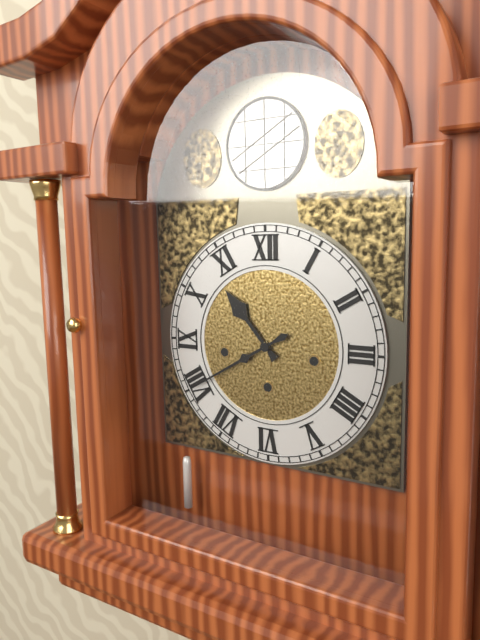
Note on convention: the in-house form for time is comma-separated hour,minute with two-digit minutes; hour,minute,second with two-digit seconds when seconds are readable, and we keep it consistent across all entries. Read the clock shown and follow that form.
10,40
